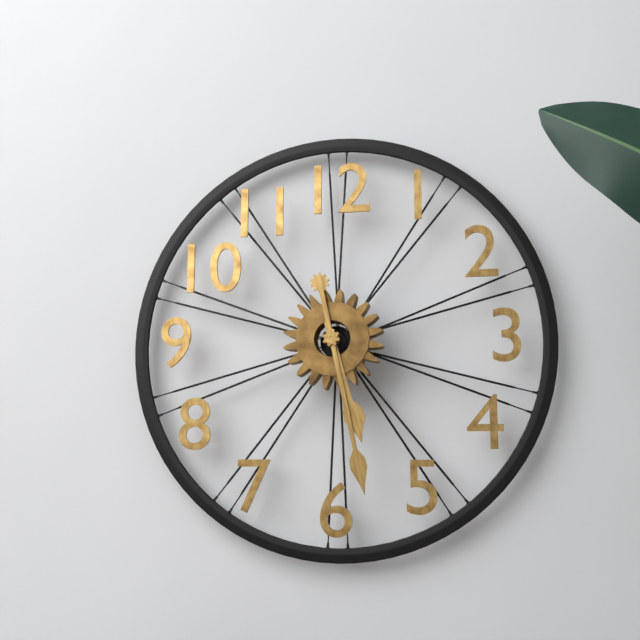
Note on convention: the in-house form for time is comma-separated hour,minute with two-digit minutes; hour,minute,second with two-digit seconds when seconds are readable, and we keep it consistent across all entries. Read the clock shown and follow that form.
5,28
